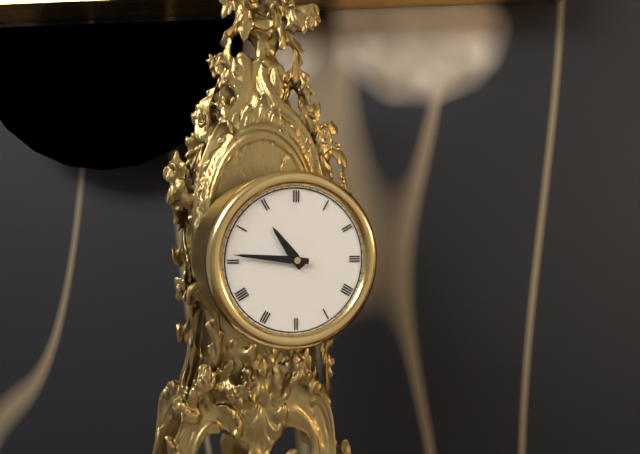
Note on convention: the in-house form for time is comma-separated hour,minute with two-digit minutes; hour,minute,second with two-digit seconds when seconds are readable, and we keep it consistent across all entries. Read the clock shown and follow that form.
10,46
